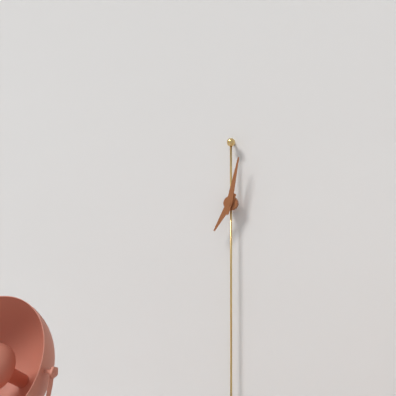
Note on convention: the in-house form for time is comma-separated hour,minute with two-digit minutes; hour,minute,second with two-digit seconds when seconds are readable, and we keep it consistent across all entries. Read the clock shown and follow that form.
7,02
